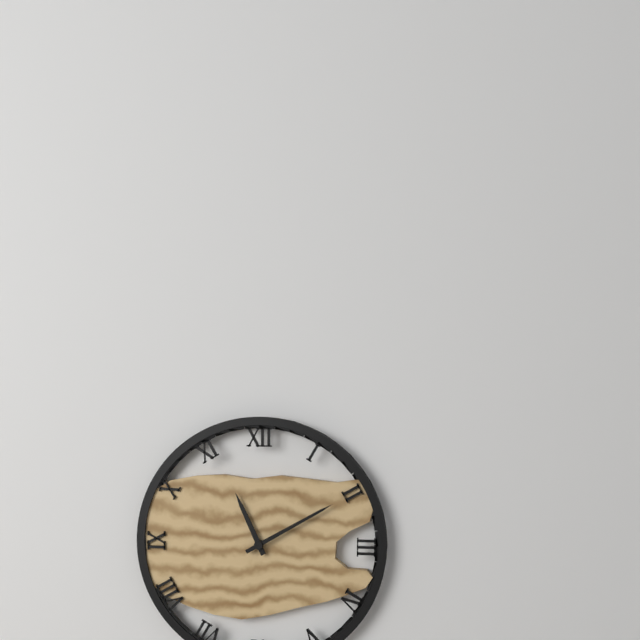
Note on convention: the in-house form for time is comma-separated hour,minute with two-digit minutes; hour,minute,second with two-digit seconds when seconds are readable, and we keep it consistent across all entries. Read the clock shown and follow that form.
11,10
